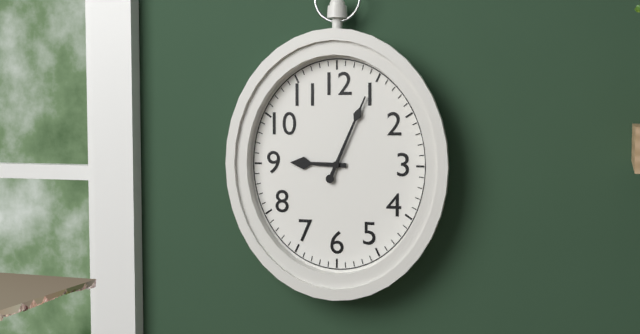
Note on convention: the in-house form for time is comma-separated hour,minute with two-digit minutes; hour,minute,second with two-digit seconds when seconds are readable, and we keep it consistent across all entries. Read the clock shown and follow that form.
9,04
